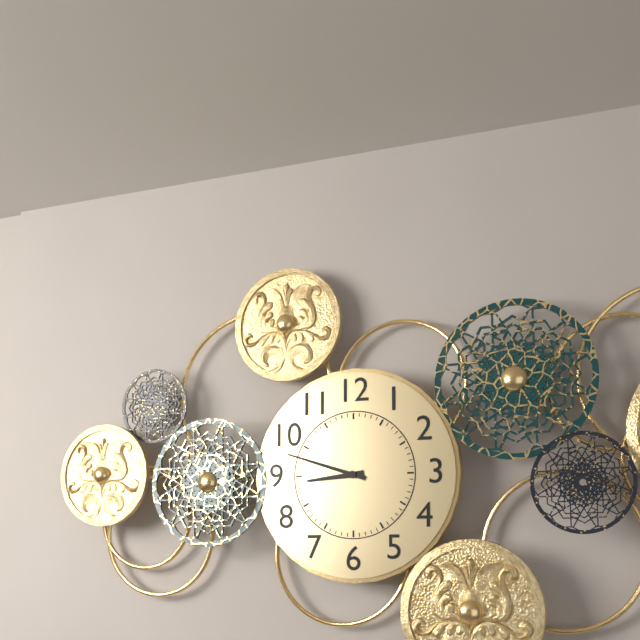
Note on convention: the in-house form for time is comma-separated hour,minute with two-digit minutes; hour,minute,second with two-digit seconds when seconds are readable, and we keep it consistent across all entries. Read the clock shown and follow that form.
8,48
